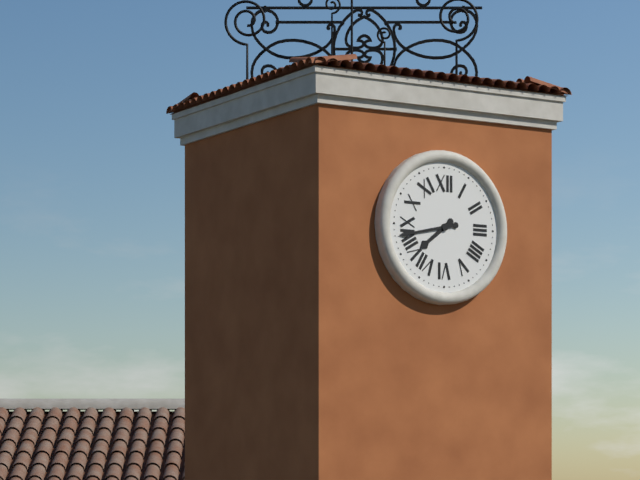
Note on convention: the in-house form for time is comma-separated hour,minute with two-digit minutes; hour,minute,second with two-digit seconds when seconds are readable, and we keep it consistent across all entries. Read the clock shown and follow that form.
7,43
